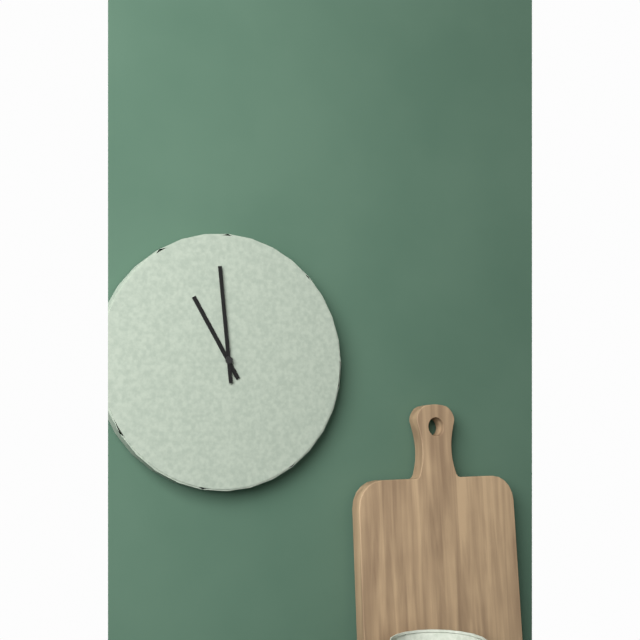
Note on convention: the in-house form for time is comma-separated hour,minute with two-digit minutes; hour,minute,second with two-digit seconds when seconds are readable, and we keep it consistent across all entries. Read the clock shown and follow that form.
10,59
